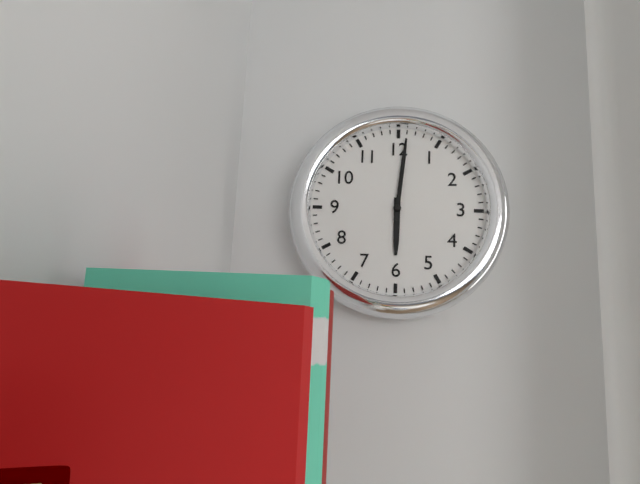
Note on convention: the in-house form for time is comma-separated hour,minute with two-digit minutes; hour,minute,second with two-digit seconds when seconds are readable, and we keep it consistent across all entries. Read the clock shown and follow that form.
6,01
